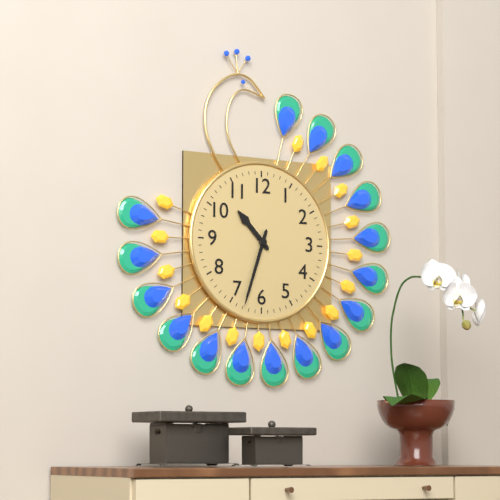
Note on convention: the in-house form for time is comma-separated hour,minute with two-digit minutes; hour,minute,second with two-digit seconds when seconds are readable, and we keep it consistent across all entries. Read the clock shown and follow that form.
10,33
